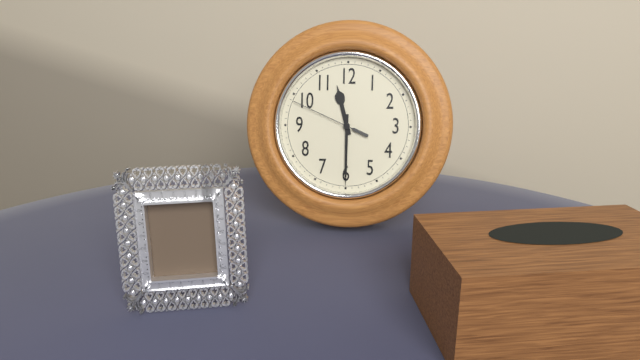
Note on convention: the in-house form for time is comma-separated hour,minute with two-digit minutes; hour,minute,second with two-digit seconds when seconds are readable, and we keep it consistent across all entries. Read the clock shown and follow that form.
11,30,49
